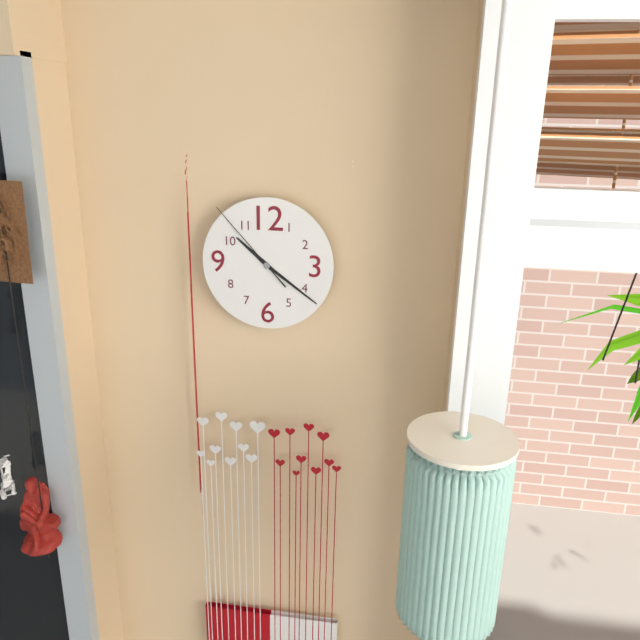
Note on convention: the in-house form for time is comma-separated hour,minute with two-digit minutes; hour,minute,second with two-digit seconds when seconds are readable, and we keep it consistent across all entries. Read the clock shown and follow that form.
10,21,53
